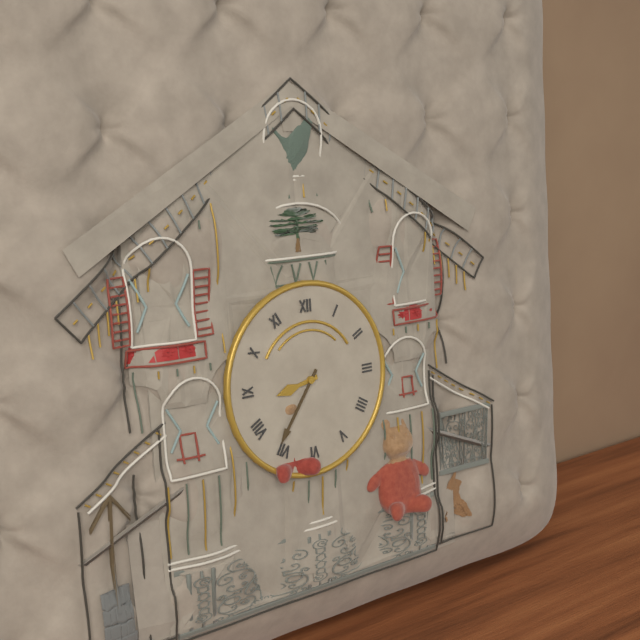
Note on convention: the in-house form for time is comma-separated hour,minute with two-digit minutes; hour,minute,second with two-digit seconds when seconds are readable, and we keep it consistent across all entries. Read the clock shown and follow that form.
8,36
